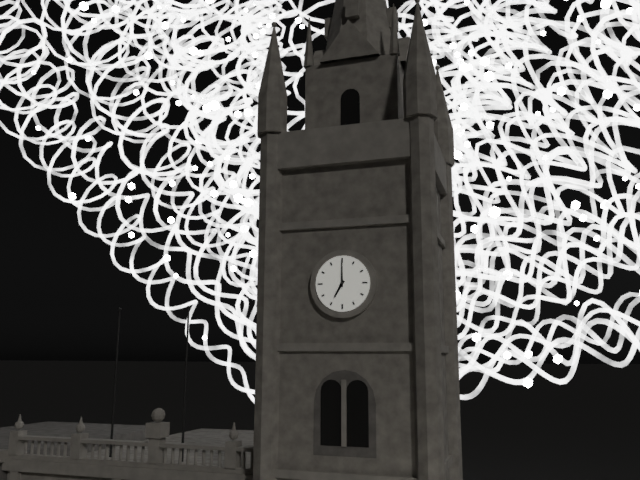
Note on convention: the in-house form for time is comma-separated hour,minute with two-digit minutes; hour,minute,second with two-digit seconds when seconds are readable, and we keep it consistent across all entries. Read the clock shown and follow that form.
7,00
